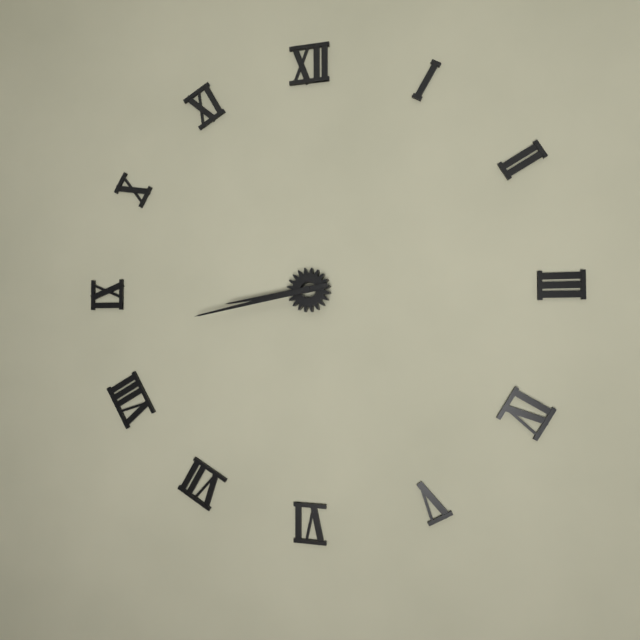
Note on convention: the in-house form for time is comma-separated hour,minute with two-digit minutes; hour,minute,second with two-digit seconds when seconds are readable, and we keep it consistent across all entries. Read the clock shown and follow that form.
8,43
